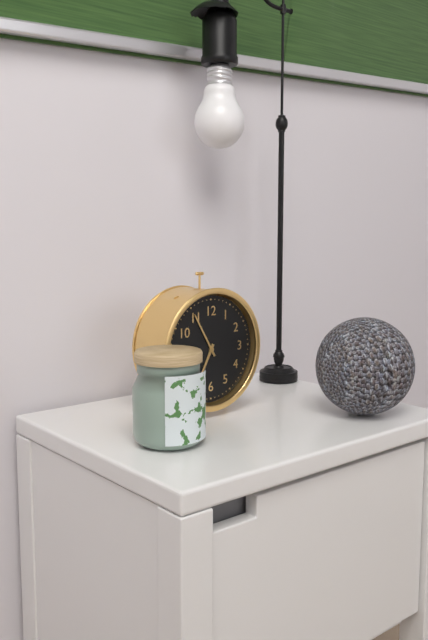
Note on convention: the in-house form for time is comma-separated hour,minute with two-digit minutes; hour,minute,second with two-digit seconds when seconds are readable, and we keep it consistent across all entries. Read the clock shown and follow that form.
6,55
